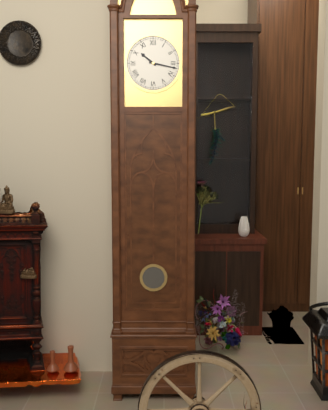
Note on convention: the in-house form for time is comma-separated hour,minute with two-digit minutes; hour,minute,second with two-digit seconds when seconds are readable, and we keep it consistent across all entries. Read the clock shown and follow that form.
10,17
